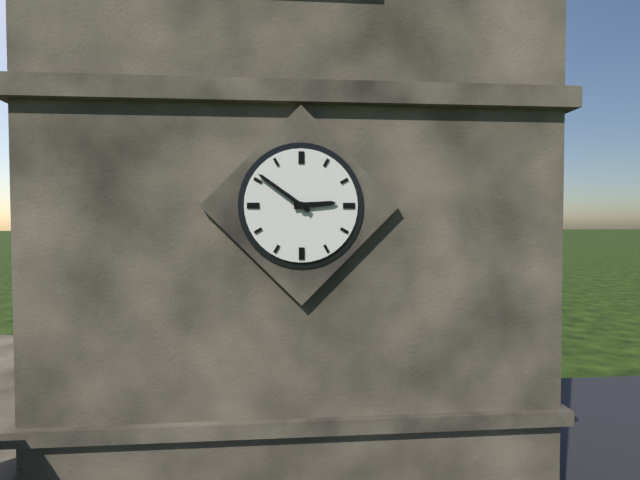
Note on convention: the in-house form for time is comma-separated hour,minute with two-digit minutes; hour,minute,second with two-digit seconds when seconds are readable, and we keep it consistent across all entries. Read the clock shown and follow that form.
2,51
